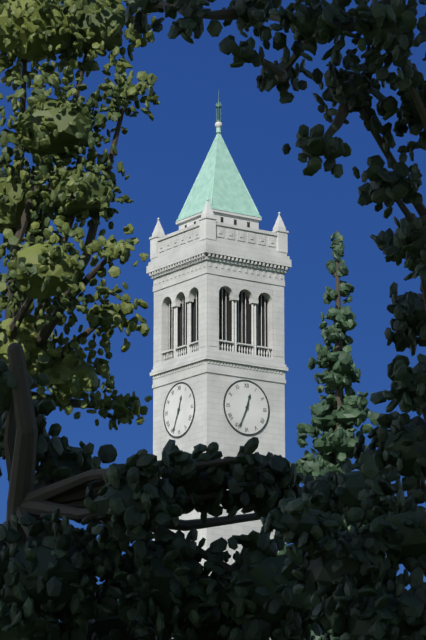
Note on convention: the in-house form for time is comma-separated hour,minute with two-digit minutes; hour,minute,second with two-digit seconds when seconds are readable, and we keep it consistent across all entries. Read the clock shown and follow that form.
12,34
